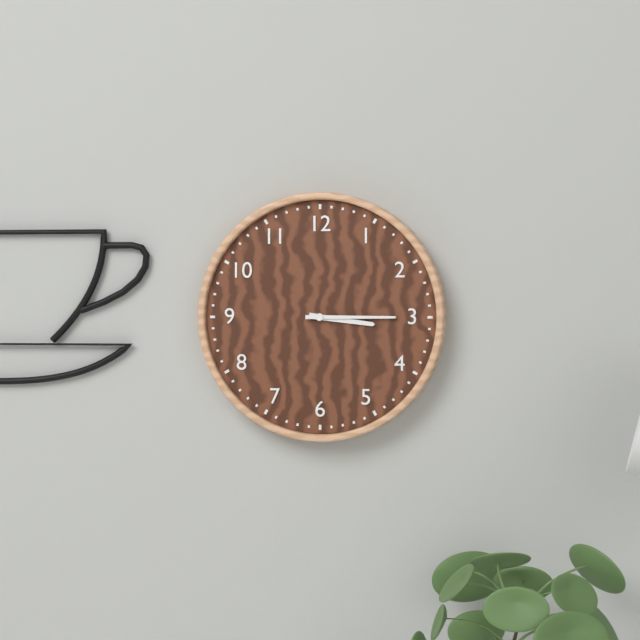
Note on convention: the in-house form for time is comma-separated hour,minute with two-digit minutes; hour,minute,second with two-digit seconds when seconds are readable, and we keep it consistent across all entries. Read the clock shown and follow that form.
3,15
